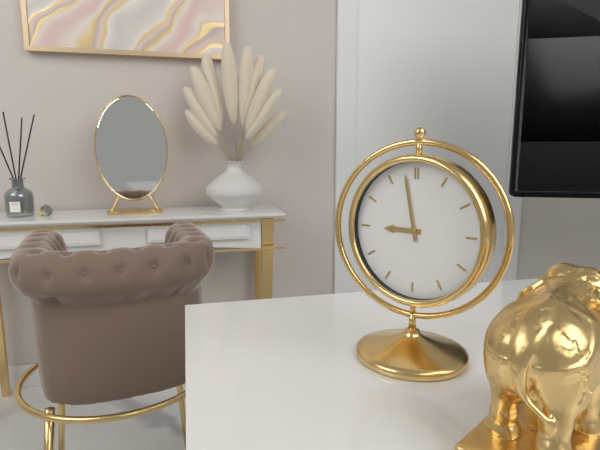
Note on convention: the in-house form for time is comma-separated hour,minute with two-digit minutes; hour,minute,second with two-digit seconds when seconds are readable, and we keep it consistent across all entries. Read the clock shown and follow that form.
8,58
